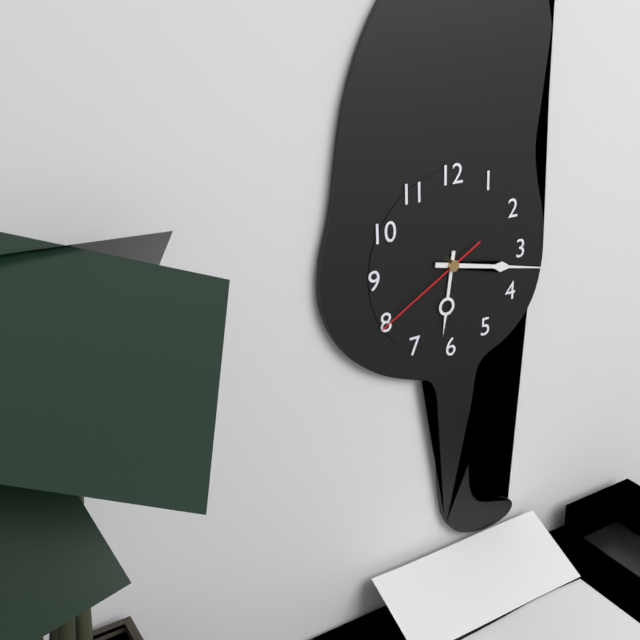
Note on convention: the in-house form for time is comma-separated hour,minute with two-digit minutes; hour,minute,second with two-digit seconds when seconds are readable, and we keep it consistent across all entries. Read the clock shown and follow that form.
6,17,40
